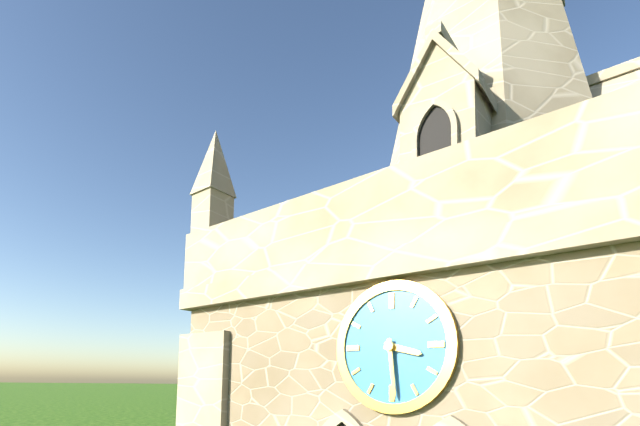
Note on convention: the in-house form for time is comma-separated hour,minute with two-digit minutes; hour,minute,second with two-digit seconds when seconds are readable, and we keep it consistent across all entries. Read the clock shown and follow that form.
3,29
